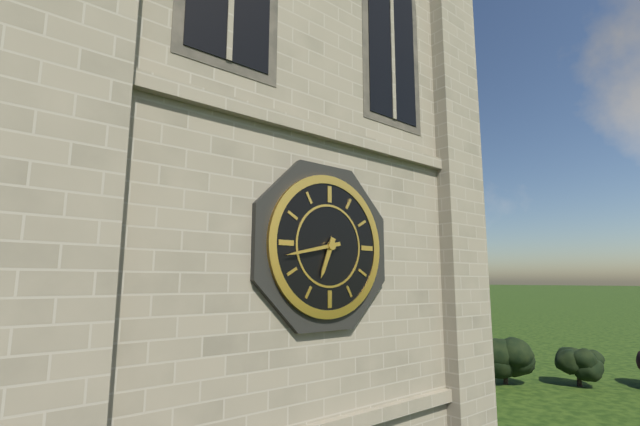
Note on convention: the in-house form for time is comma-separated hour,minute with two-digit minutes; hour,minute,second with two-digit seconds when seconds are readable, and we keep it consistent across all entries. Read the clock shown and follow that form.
6,43
